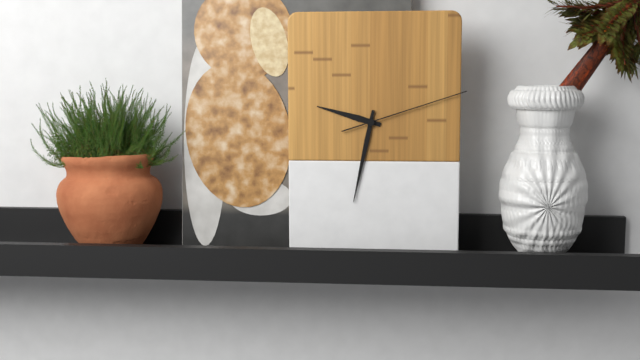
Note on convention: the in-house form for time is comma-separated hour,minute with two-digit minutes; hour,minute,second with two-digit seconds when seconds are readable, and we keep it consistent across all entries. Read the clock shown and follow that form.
9,32,12
